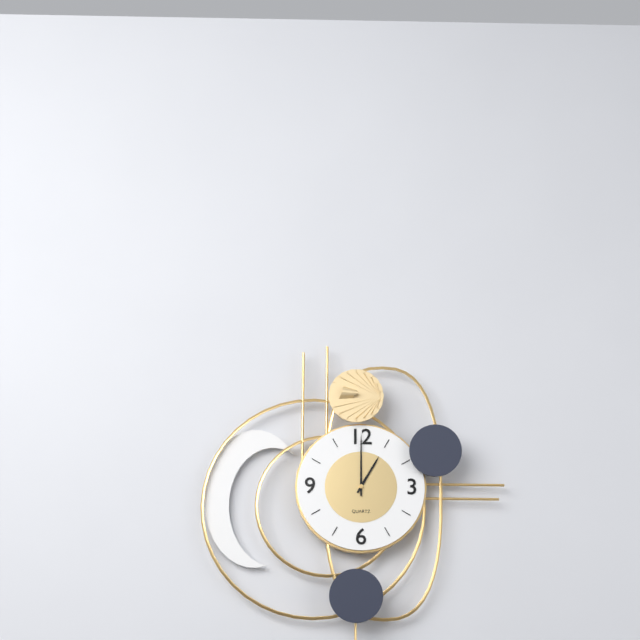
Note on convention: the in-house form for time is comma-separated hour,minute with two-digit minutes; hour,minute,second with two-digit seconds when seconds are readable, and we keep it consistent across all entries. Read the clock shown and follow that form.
1,00
